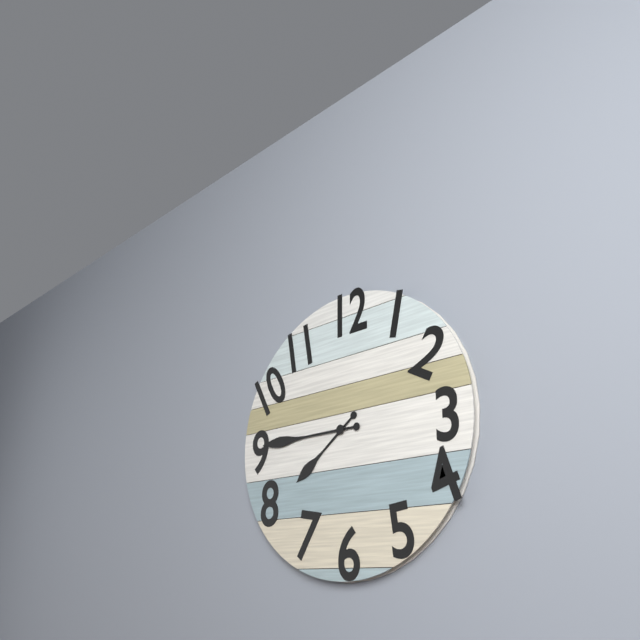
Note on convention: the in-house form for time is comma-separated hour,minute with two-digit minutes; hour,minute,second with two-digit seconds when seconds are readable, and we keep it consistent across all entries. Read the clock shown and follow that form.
7,45
